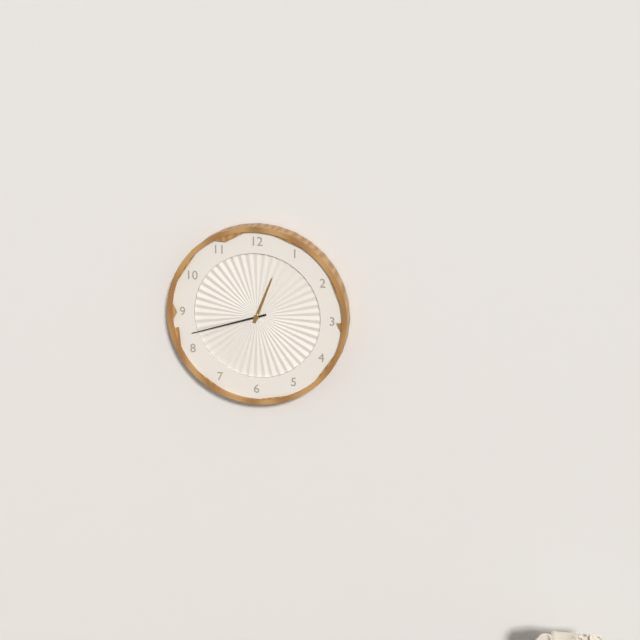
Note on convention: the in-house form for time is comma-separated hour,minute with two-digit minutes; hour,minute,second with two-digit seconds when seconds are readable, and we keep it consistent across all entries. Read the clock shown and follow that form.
12,42
